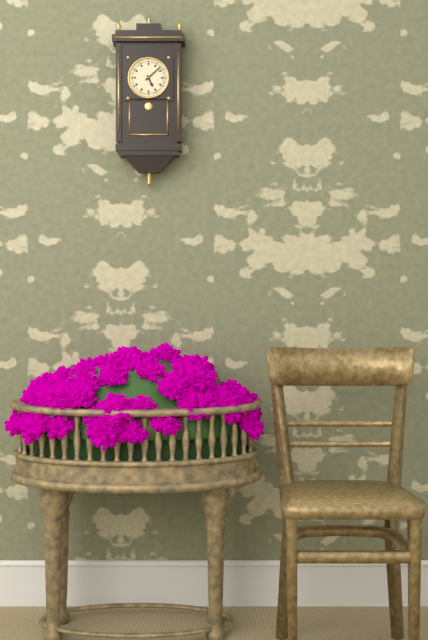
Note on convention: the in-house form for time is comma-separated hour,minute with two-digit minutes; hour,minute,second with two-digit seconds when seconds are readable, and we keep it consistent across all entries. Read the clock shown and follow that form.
5,08
